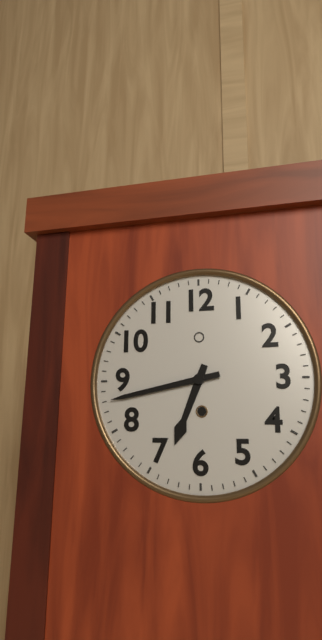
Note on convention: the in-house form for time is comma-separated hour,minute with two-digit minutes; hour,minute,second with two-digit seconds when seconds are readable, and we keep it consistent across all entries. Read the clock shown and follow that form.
6,43
